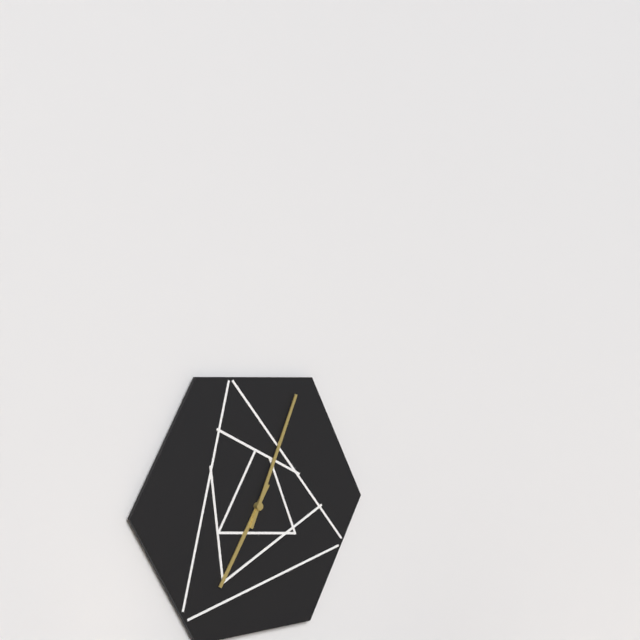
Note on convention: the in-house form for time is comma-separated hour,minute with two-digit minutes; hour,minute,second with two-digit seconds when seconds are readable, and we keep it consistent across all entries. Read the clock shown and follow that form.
7,04
